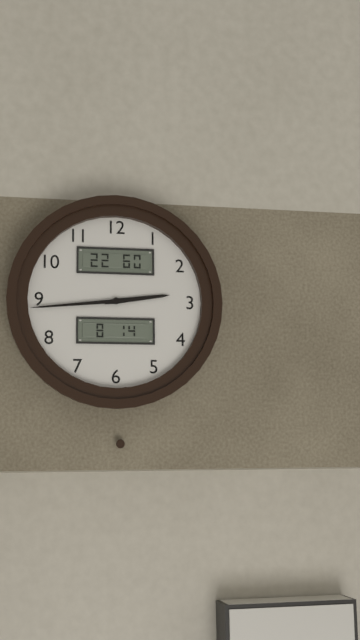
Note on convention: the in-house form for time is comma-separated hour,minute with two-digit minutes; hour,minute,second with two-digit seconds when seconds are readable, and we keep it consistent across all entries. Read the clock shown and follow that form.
2,44
